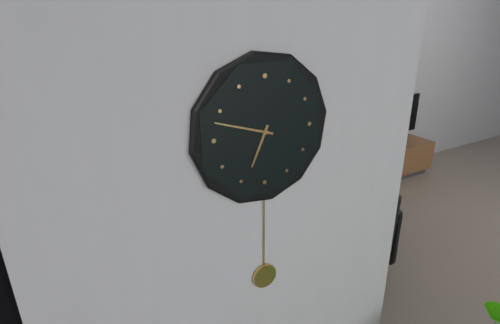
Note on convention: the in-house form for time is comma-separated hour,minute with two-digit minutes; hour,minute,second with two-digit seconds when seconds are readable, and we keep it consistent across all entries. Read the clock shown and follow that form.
6,48
